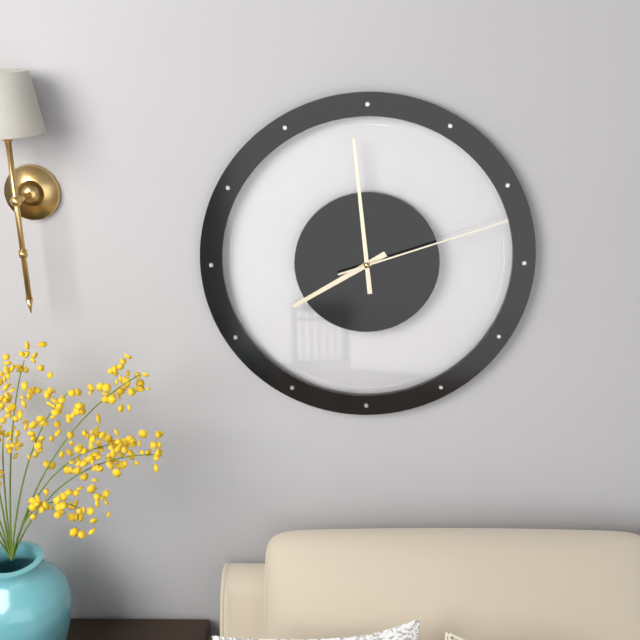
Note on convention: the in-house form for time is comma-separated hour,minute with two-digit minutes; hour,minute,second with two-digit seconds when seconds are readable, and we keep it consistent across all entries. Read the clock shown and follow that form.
7,59,12
